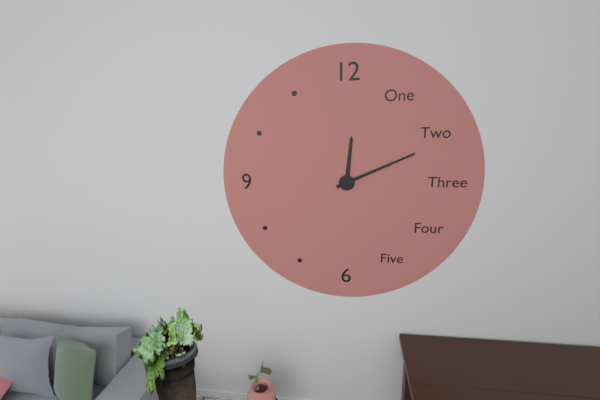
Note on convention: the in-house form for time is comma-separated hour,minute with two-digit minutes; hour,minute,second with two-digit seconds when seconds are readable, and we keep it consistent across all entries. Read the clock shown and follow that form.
12,11
